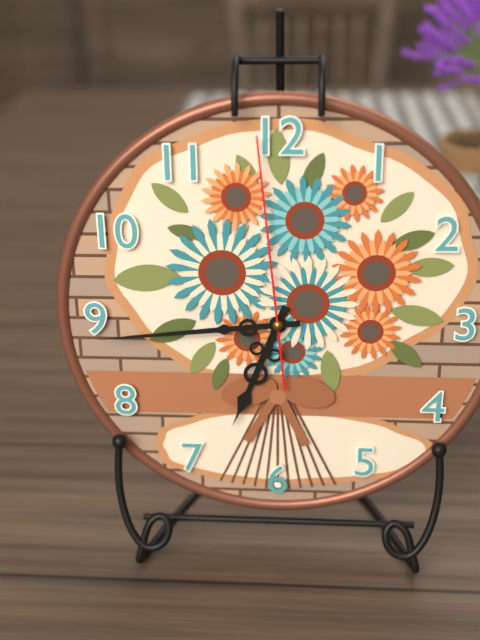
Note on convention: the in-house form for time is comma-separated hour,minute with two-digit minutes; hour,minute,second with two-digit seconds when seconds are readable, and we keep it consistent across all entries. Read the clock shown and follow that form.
6,44,59
